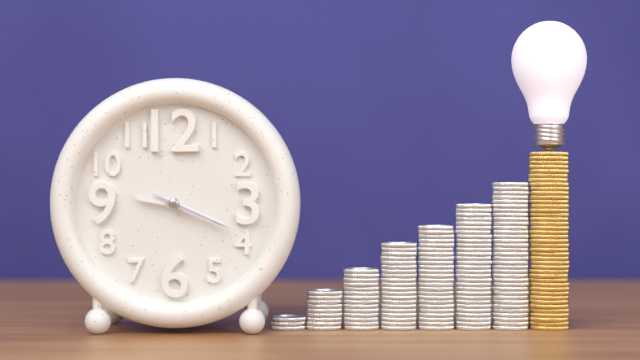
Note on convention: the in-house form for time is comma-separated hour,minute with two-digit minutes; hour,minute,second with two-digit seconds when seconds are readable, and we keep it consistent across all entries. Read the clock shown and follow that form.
9,19,19
